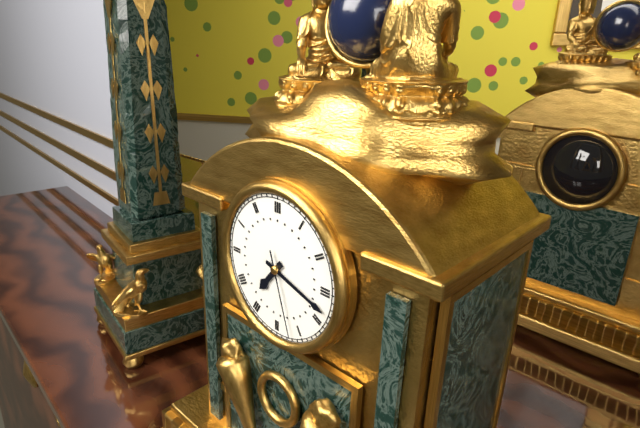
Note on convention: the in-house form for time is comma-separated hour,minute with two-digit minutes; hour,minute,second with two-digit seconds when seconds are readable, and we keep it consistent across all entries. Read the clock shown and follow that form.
7,18,27
